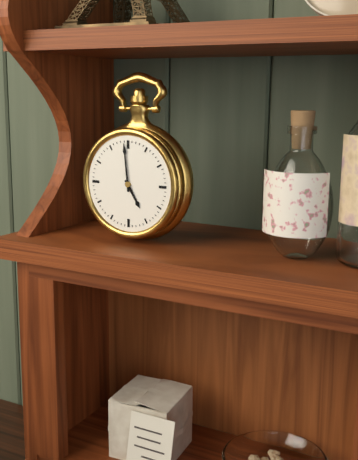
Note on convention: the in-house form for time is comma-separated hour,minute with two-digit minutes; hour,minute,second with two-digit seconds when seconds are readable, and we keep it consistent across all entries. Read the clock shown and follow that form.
4,59
